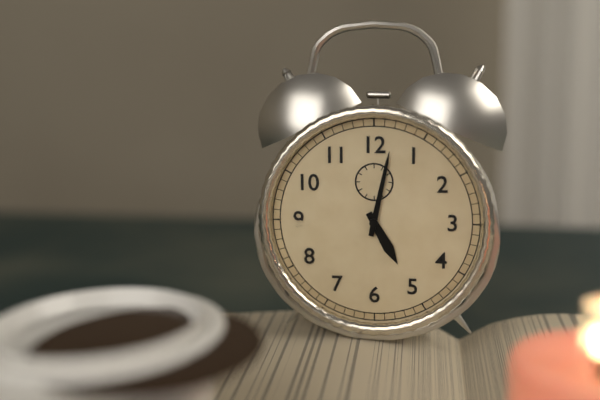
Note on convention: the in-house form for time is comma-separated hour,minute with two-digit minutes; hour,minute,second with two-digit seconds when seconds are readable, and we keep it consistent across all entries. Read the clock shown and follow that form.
5,02
